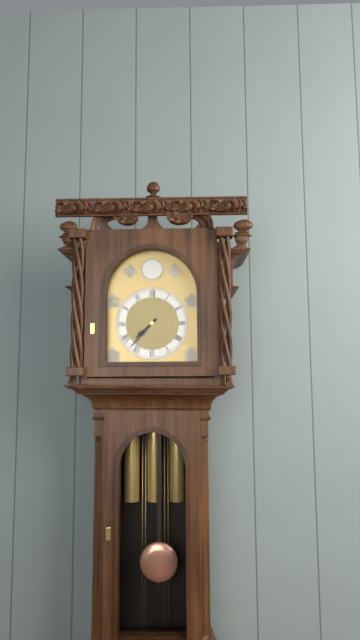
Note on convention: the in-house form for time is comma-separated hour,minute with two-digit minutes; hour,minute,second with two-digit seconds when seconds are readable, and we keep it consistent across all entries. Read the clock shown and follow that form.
7,37
